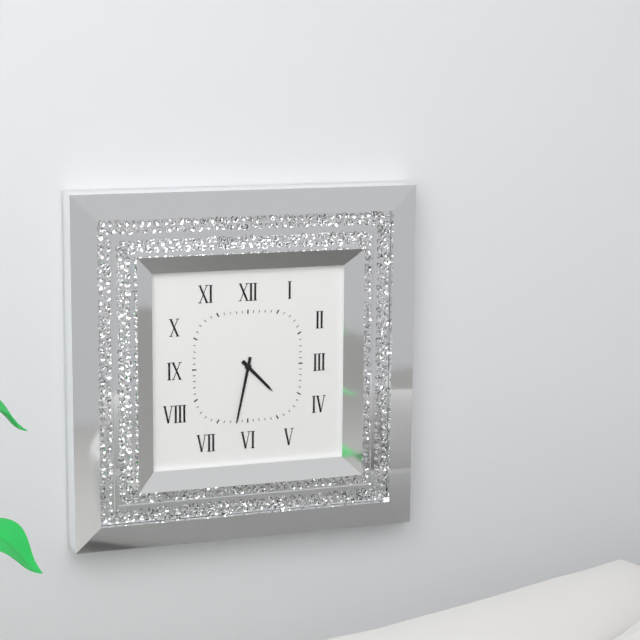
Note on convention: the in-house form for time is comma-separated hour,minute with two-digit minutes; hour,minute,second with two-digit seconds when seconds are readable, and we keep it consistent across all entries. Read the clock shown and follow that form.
4,32
